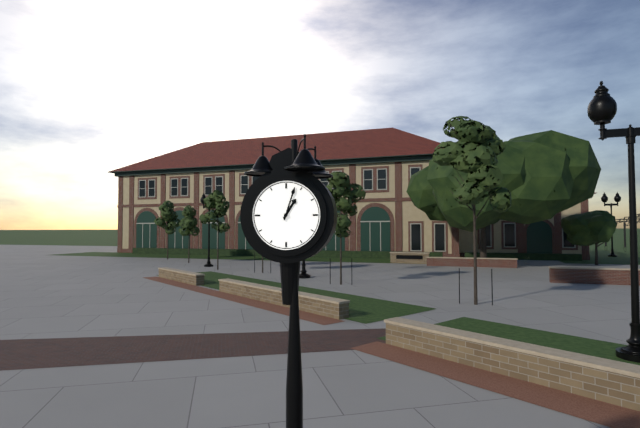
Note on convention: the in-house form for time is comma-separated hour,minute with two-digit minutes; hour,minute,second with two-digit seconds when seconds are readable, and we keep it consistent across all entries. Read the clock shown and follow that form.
1,03
